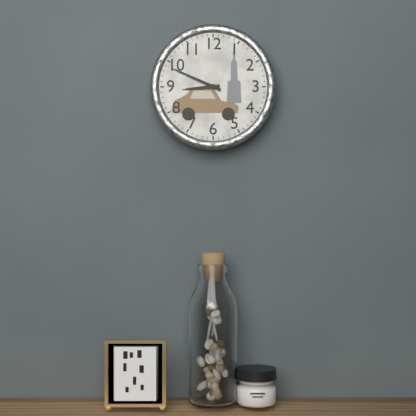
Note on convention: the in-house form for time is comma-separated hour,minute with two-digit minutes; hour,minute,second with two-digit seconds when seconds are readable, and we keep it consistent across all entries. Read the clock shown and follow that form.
8,49
